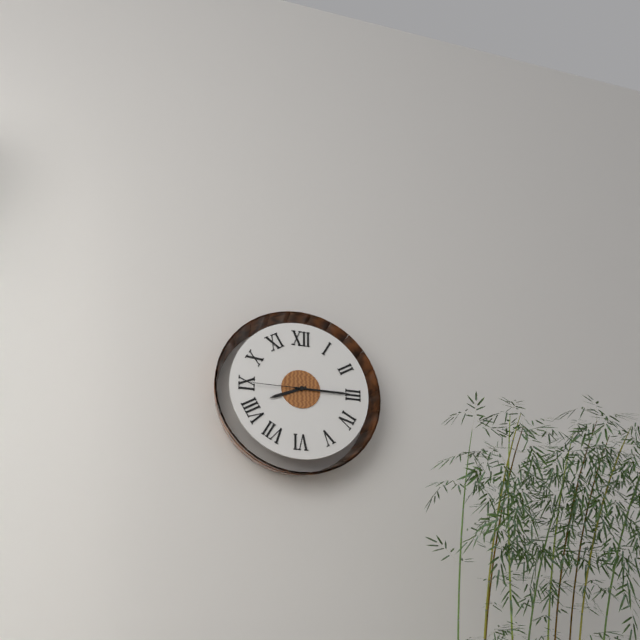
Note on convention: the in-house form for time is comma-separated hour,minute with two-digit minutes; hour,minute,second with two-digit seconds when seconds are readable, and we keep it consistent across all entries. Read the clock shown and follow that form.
8,15,45
